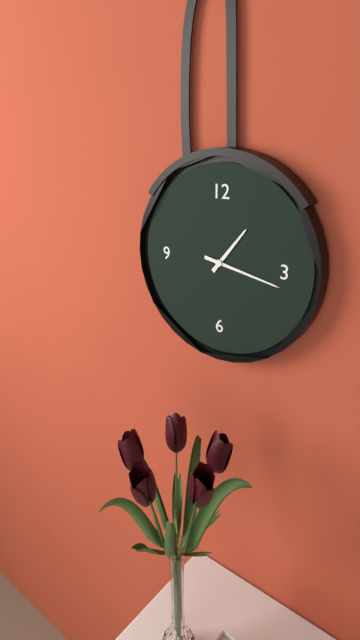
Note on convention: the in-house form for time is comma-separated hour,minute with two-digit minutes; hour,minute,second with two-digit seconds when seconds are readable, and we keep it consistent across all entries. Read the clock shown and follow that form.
1,17
